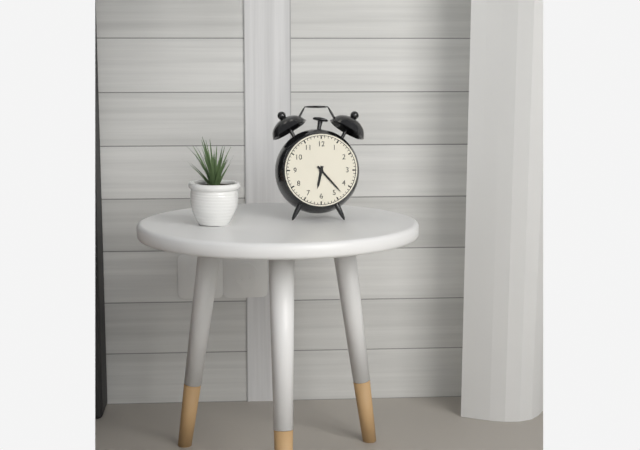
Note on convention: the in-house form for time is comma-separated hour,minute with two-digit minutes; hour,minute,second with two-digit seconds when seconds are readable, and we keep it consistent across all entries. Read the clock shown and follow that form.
6,23
